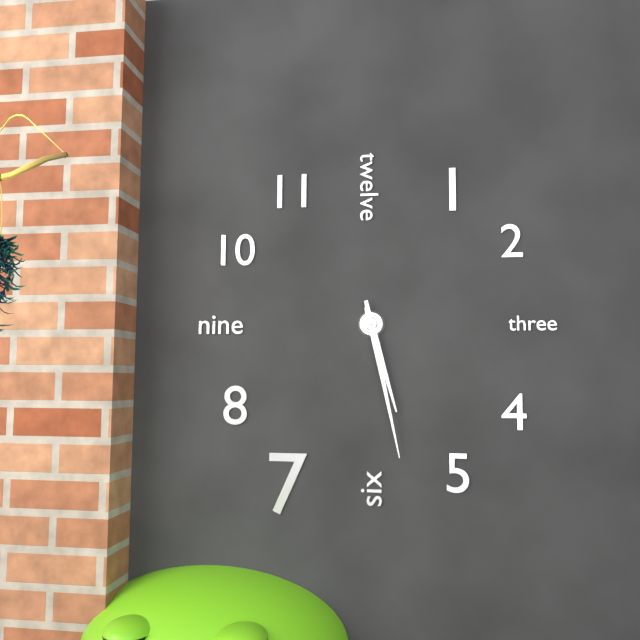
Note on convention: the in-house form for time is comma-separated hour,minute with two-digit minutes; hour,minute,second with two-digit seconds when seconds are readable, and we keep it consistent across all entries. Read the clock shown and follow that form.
5,28
